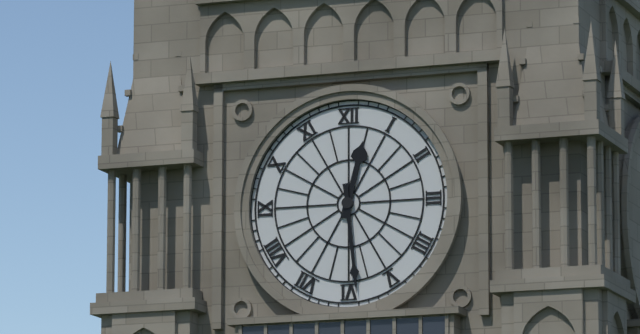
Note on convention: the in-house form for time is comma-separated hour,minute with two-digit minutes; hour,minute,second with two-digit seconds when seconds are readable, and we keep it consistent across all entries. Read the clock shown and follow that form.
12,29
